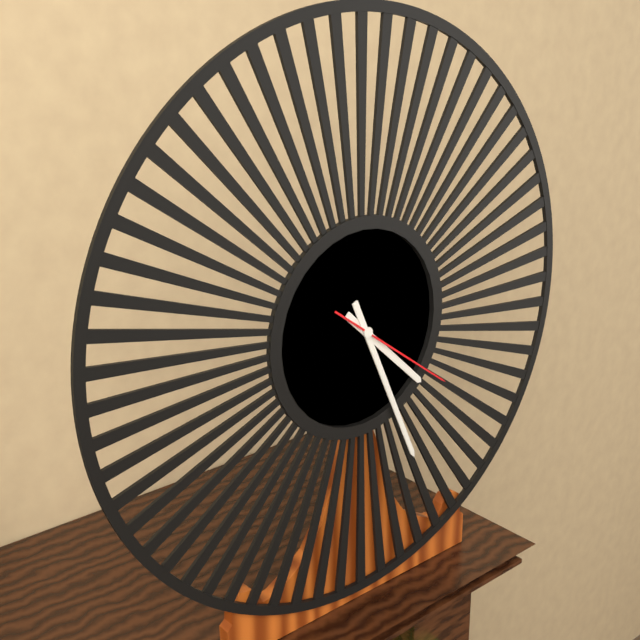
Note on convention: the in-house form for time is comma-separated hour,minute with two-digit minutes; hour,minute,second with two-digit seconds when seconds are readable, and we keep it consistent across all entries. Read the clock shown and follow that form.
4,26,21
